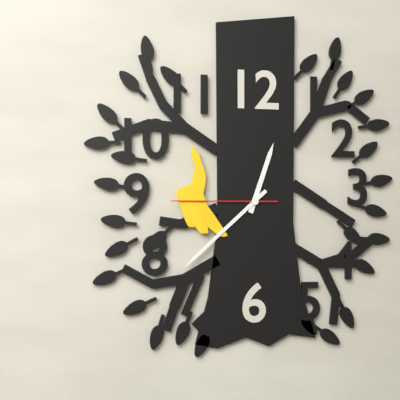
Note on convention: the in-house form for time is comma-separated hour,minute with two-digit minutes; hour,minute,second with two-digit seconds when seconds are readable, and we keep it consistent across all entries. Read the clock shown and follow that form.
12,38,45
